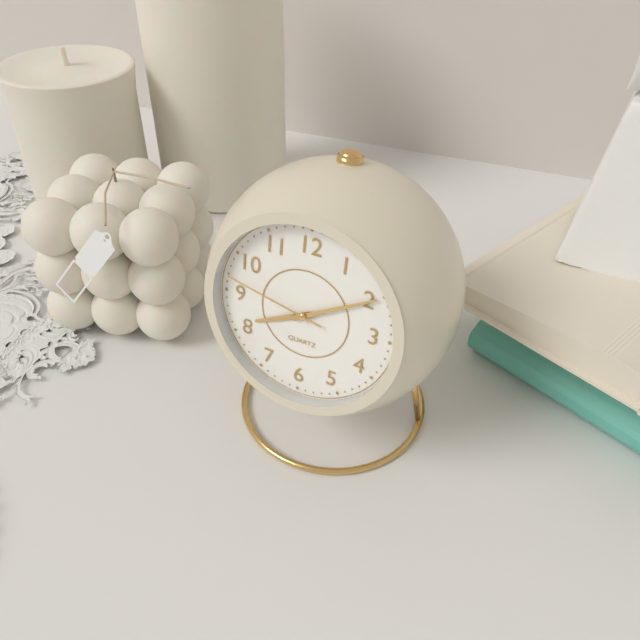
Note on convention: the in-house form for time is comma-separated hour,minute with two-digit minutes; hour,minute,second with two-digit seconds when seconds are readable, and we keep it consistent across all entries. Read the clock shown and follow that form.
8,10,47
